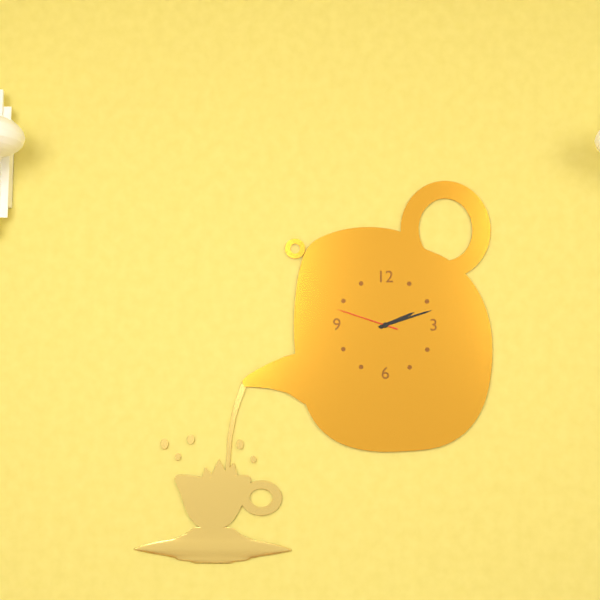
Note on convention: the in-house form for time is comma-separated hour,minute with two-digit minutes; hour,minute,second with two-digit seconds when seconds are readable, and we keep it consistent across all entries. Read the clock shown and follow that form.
2,12,48
